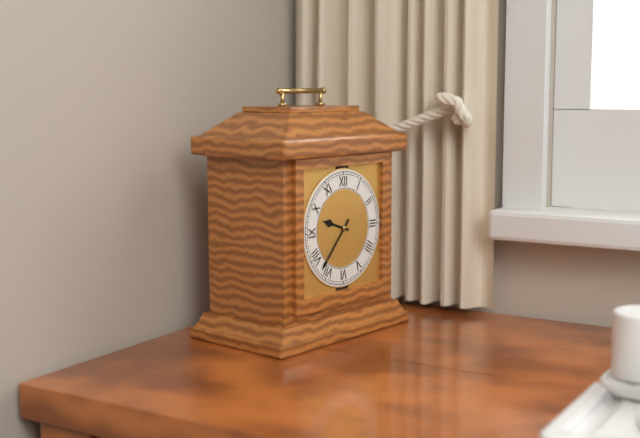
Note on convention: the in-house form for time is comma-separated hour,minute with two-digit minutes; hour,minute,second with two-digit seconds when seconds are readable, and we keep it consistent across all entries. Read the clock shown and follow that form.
9,37
